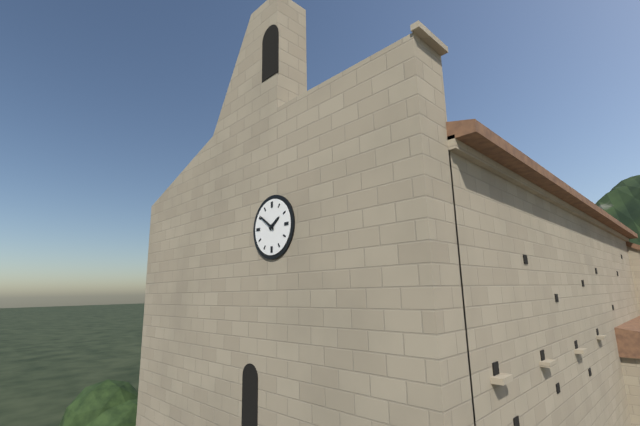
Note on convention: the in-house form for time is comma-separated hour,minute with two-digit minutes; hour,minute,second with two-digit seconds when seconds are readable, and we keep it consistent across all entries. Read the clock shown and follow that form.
1,51
